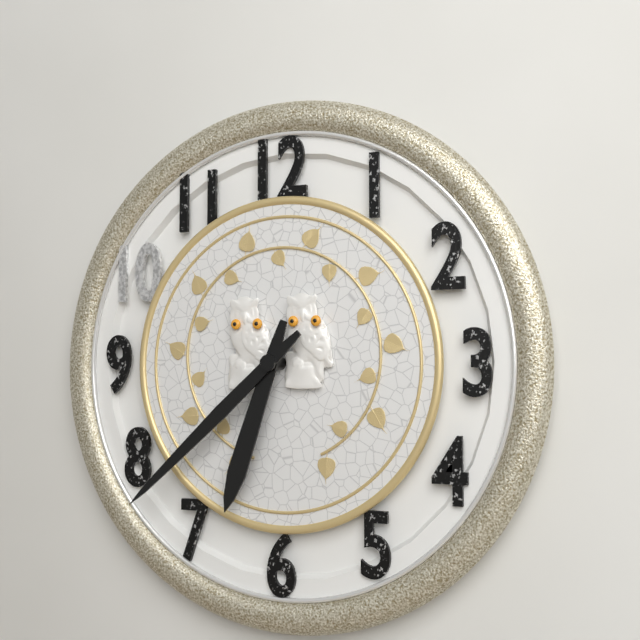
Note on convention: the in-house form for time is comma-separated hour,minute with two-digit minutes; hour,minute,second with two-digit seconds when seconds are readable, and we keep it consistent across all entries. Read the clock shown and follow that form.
6,38
